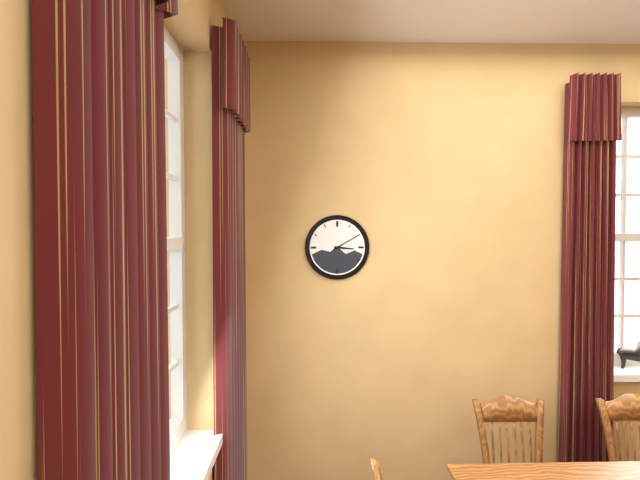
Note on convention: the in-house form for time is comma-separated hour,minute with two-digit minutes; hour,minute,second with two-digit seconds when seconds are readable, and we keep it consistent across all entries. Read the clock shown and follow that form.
3,10
